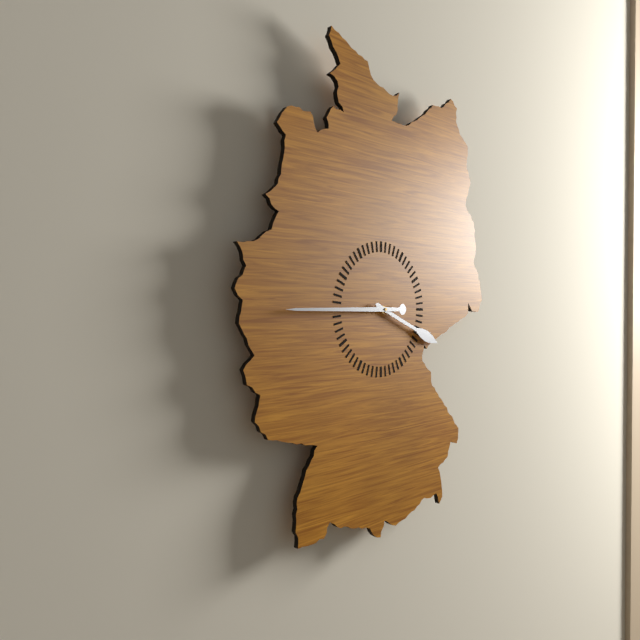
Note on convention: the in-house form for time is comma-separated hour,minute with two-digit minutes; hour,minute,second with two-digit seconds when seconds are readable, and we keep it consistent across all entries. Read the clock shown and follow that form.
3,45
